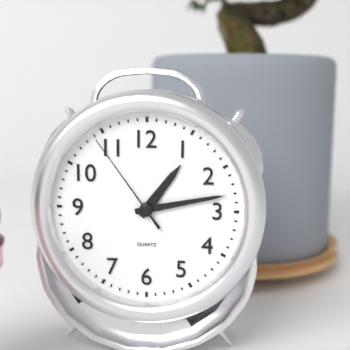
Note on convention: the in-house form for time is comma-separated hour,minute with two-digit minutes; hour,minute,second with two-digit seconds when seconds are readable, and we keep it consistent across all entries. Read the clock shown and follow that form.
1,13,54
